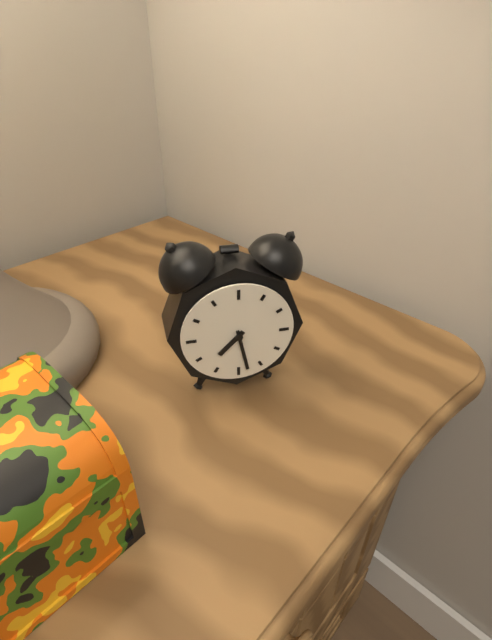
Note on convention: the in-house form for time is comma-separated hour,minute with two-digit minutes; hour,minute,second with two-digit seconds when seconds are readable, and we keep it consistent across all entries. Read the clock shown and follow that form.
7,28
